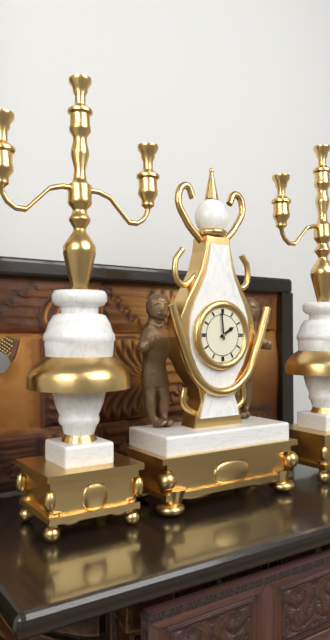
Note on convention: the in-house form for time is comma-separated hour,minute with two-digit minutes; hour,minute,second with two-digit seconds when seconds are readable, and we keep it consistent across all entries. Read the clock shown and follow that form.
1,59
